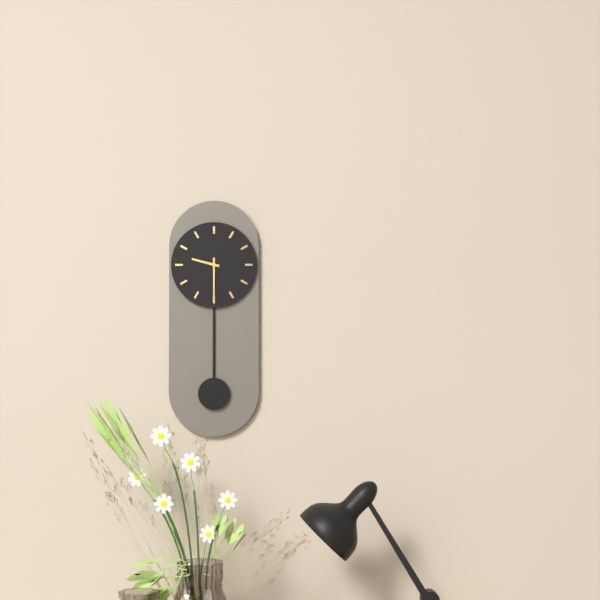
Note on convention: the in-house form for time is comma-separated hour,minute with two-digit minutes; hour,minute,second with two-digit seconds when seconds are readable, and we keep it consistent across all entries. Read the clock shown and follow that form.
9,30
